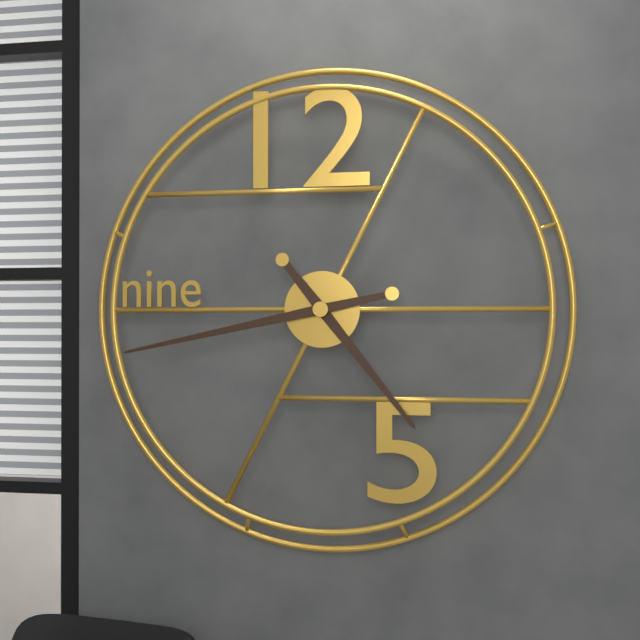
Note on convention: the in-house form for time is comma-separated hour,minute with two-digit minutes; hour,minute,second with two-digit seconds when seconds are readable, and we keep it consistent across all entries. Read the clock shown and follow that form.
4,43
